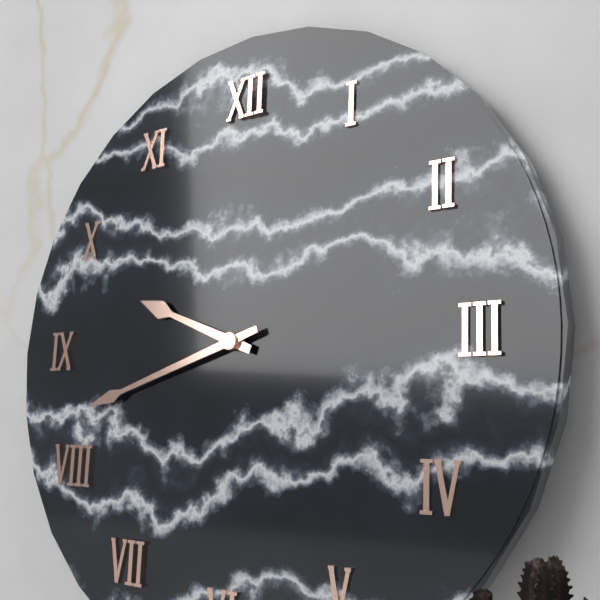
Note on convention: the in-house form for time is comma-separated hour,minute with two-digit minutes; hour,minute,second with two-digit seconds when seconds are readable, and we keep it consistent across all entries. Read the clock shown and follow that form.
9,42
